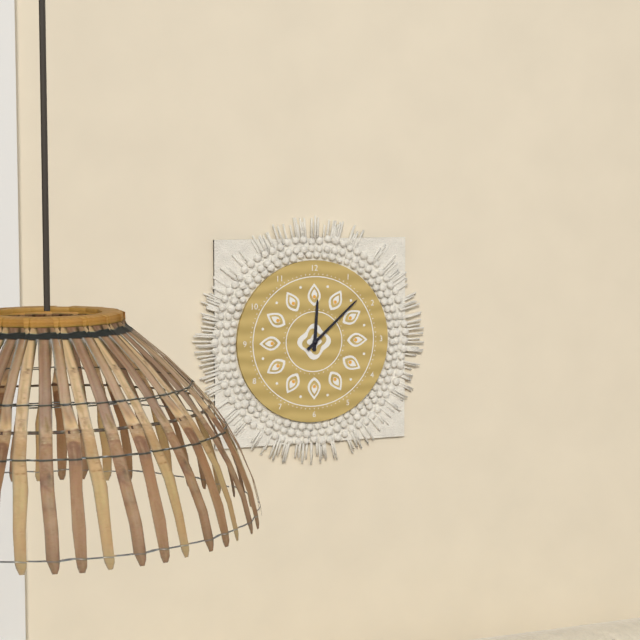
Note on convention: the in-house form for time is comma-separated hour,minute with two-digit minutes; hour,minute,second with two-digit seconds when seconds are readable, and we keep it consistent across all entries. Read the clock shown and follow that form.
12,08
